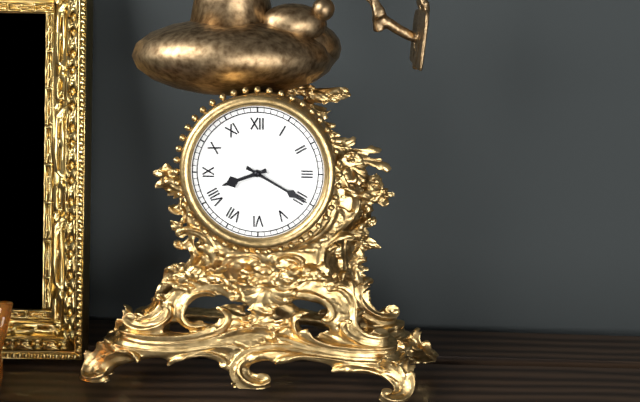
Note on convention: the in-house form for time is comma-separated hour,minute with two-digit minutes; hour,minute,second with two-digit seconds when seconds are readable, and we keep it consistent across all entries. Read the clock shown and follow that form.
8,20
